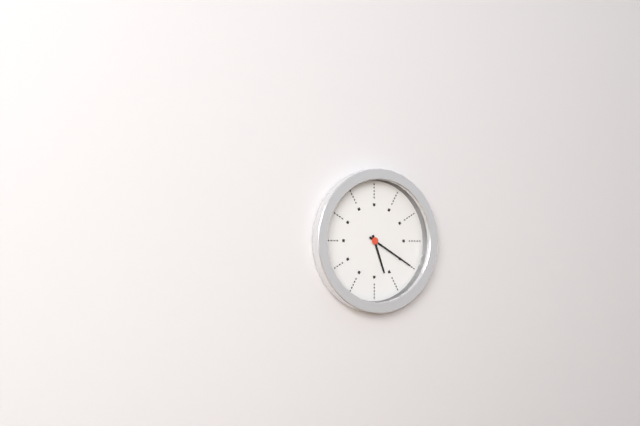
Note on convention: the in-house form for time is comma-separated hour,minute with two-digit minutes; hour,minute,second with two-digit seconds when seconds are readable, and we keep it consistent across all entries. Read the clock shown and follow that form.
5,20
